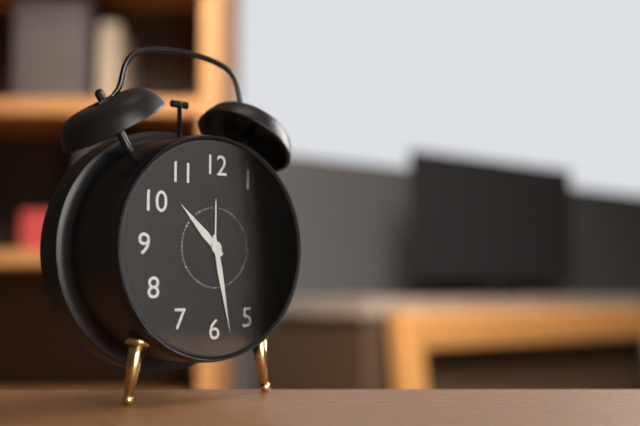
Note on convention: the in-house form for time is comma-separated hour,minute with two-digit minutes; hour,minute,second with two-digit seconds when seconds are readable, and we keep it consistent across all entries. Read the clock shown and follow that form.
10,28
